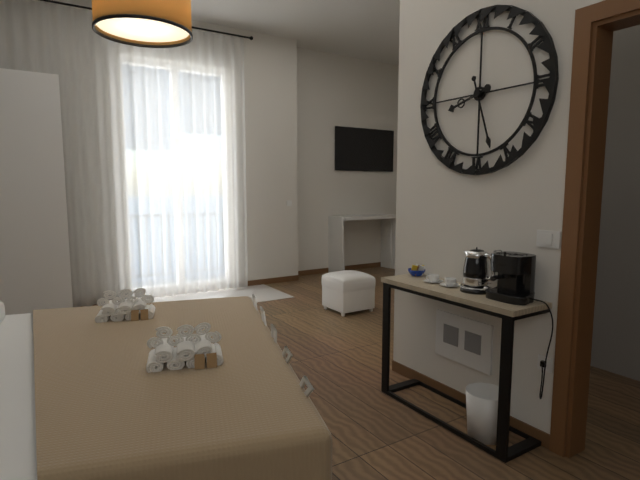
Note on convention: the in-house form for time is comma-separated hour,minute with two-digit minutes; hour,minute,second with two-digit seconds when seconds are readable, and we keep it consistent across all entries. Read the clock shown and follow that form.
8,27
